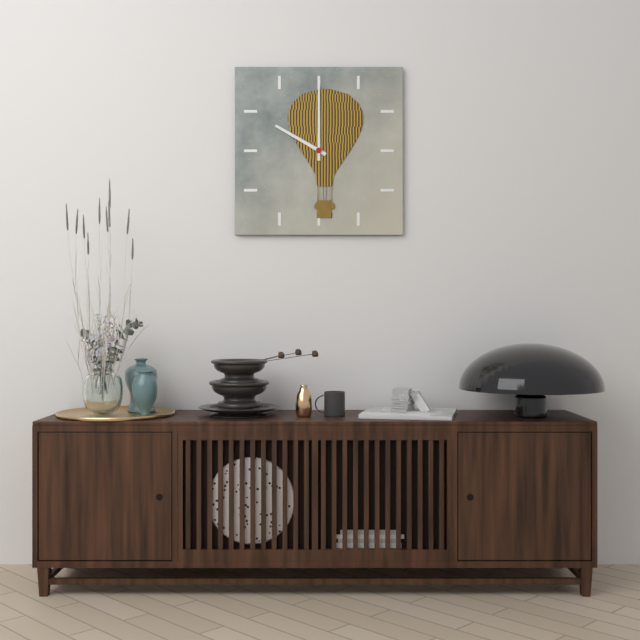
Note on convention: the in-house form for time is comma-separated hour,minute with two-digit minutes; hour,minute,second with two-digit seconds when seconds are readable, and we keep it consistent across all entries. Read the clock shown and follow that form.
10,00
